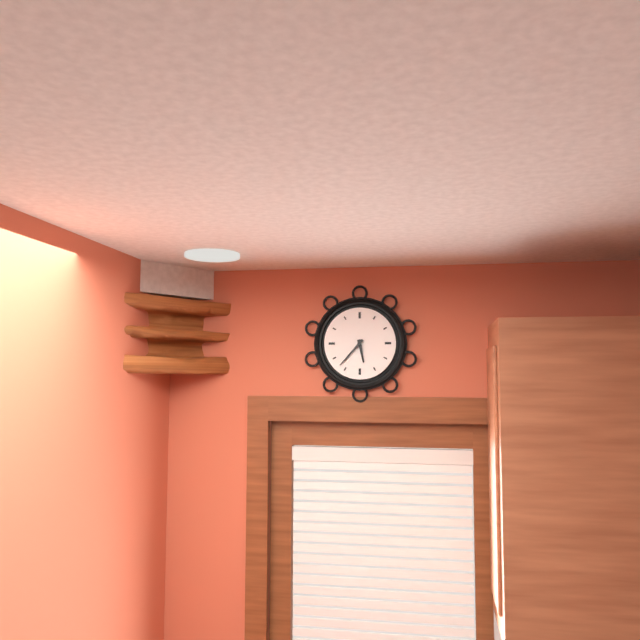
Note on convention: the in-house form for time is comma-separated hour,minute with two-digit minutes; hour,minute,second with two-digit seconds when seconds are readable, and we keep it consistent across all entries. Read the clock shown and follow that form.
5,37
